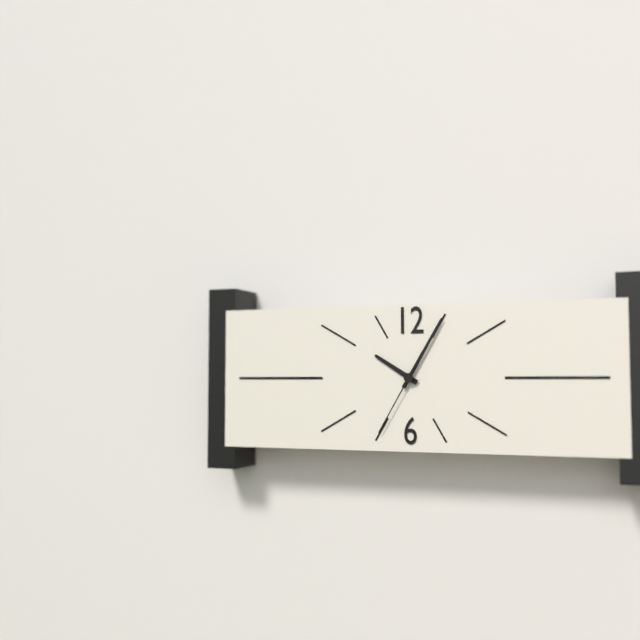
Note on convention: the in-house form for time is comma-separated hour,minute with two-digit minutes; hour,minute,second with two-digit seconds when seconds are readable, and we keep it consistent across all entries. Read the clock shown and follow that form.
10,05,35
